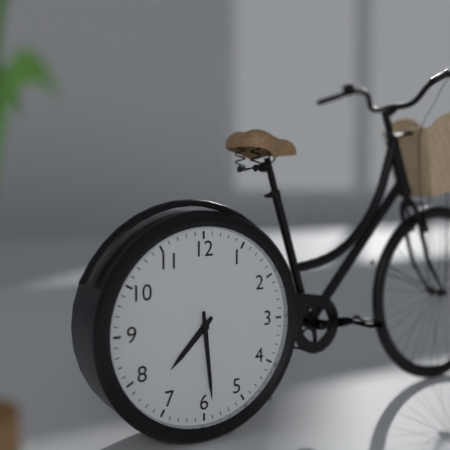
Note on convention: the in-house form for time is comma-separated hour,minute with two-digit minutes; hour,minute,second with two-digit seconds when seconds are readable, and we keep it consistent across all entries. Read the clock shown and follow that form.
7,29
